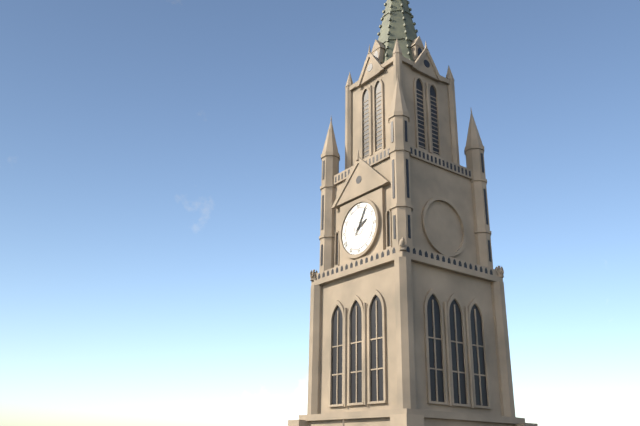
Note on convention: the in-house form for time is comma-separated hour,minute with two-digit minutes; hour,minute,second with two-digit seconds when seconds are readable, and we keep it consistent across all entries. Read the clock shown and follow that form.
2,05
